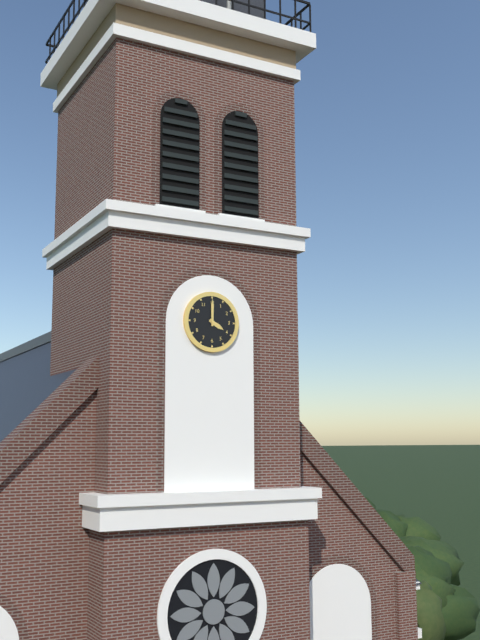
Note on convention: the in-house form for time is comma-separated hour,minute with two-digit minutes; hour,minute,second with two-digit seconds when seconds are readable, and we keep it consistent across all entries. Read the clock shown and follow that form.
4,00
